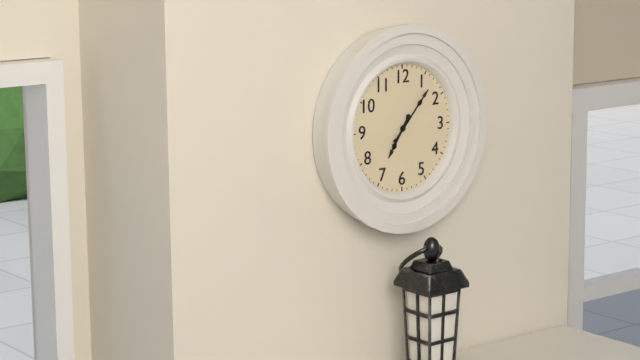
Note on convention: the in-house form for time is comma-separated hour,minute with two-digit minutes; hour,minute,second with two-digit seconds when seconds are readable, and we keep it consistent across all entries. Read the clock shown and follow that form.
7,07
